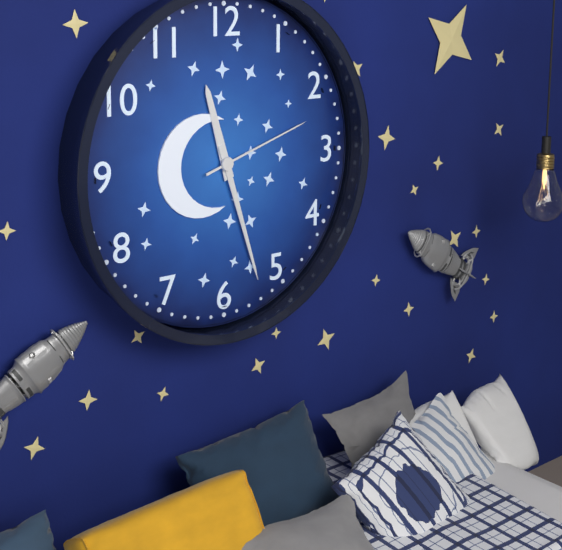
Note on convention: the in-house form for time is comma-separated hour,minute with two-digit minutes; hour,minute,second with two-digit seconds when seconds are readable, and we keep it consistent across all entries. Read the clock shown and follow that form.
11,27,12
